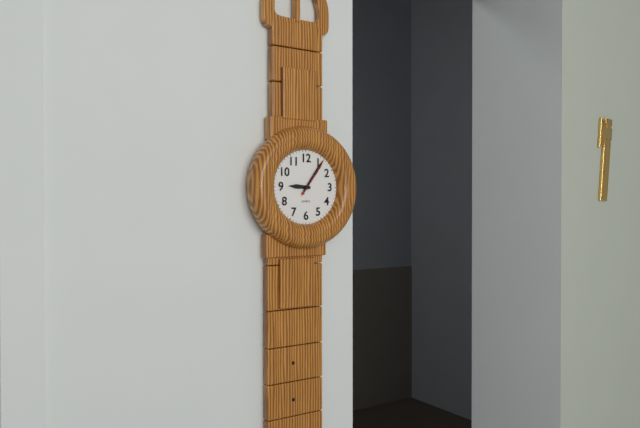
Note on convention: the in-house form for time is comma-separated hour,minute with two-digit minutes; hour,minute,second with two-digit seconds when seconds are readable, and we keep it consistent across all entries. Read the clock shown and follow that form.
9,06
